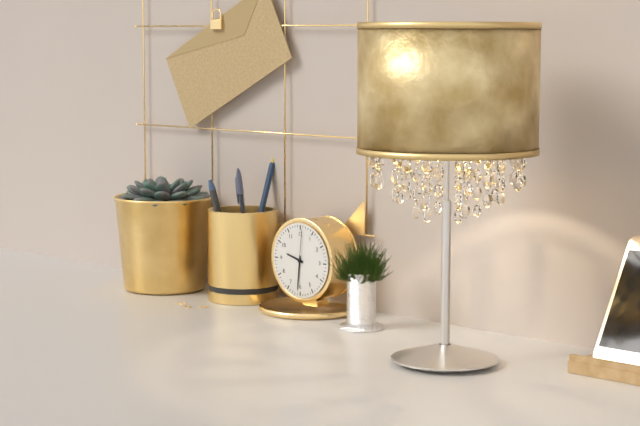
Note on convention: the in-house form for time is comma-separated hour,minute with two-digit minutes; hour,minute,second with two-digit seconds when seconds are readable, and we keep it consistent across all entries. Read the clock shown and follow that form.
9,31
